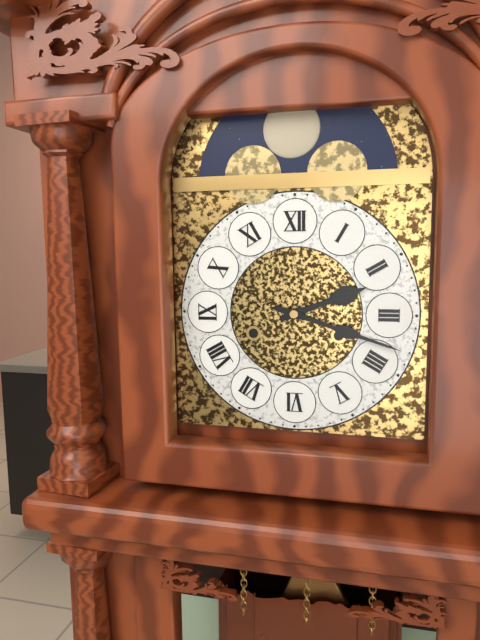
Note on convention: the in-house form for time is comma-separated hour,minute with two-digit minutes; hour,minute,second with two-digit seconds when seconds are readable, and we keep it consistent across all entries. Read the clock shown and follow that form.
2,18
